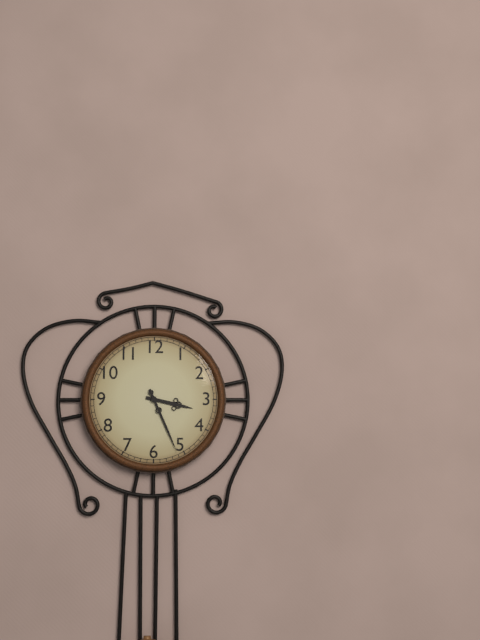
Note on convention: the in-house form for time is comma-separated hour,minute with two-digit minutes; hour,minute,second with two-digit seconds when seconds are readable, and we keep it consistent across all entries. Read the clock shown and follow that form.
3,26
